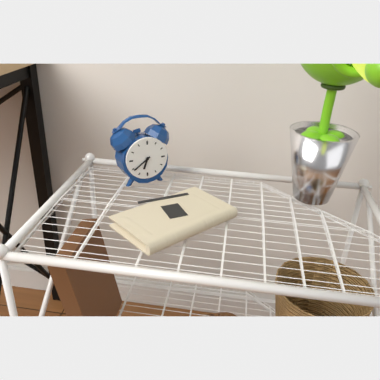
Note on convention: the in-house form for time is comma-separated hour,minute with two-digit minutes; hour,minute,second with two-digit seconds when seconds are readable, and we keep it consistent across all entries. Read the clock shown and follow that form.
6,39
